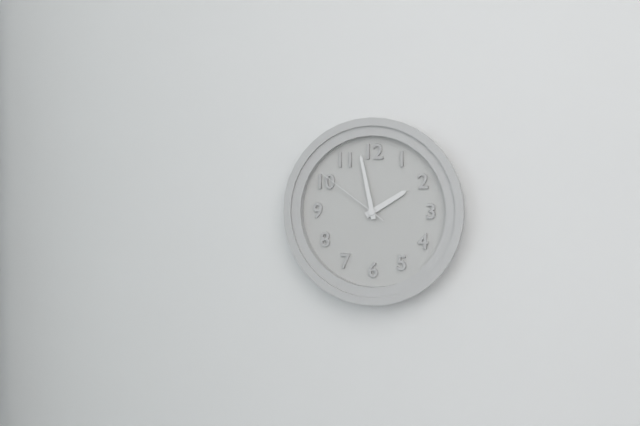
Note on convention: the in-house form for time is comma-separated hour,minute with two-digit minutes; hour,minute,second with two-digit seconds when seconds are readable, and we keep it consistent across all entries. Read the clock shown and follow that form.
1,58,51
